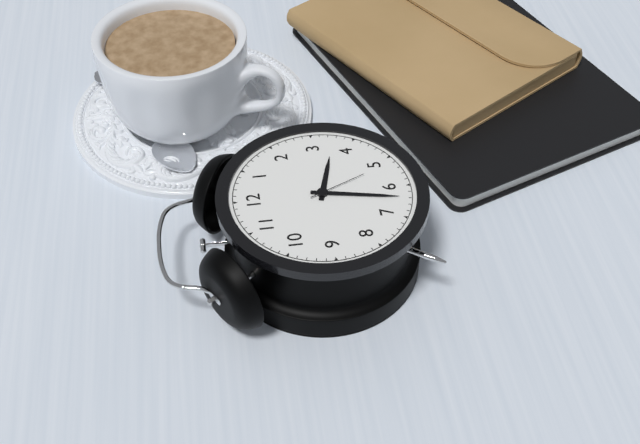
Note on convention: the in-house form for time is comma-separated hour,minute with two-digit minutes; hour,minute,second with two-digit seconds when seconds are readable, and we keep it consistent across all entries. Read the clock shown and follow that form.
3,32,26
